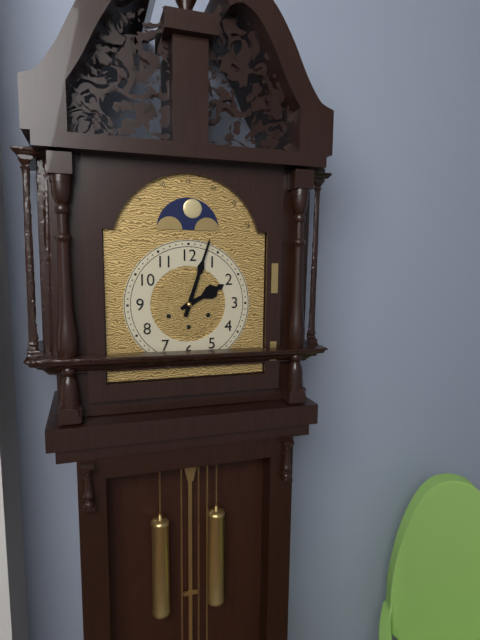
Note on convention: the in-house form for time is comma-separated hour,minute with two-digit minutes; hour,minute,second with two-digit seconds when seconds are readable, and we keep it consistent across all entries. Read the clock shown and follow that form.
2,03
